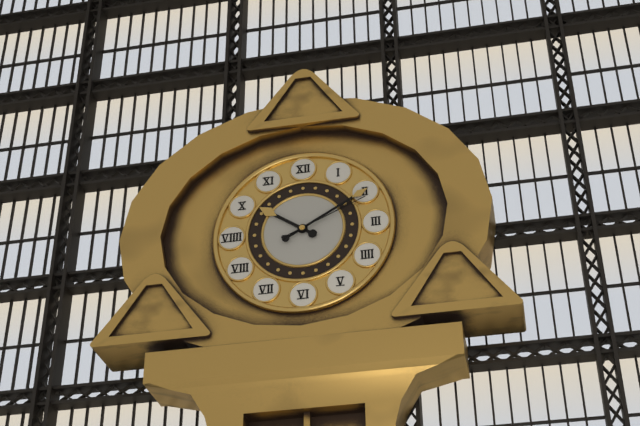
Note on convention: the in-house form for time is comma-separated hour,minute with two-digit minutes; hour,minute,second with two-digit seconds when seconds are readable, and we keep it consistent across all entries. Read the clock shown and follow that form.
10,10,11
